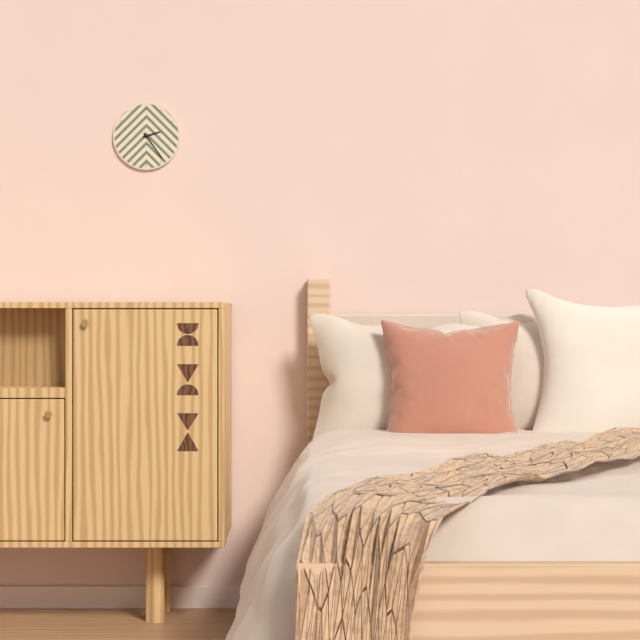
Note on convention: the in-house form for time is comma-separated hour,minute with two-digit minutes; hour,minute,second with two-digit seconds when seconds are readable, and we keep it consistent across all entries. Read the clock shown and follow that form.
2,24
